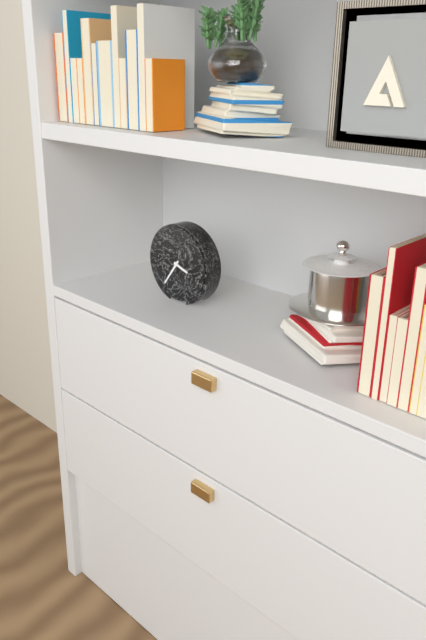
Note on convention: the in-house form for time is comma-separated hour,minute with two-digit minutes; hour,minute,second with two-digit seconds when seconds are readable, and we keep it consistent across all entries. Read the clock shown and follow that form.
3,36
